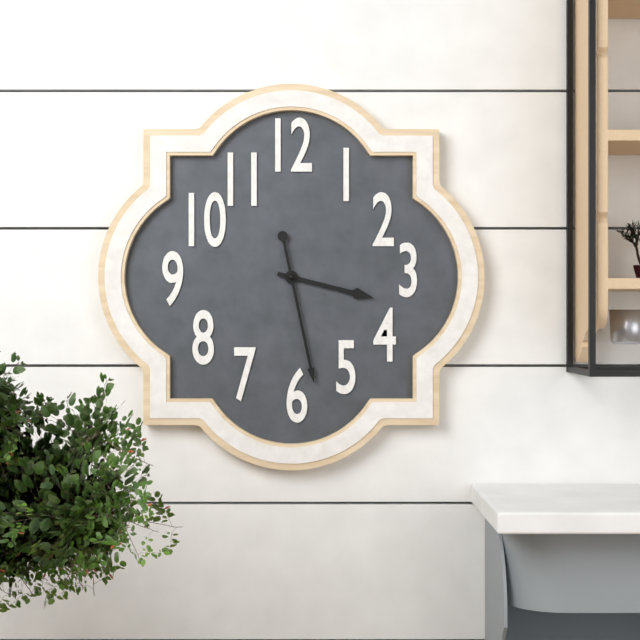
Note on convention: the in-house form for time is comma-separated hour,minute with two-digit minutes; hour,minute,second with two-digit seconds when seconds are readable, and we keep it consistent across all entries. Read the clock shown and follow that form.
3,28
